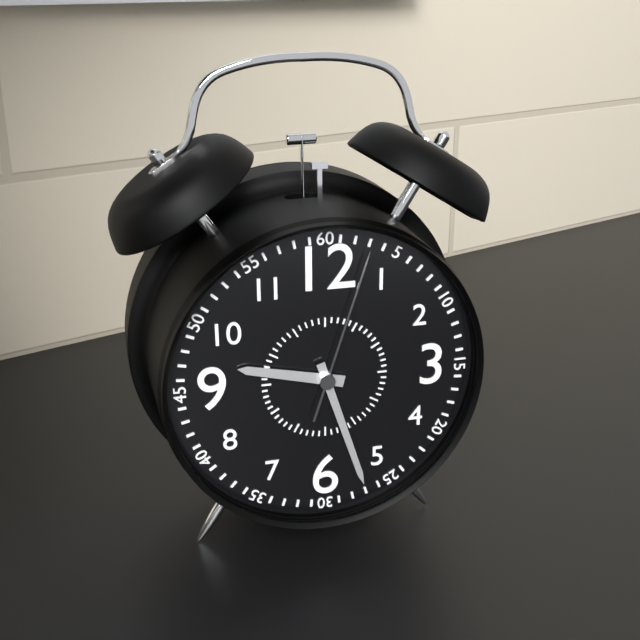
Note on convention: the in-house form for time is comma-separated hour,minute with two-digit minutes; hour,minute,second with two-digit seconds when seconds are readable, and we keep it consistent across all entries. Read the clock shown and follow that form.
9,27,03
